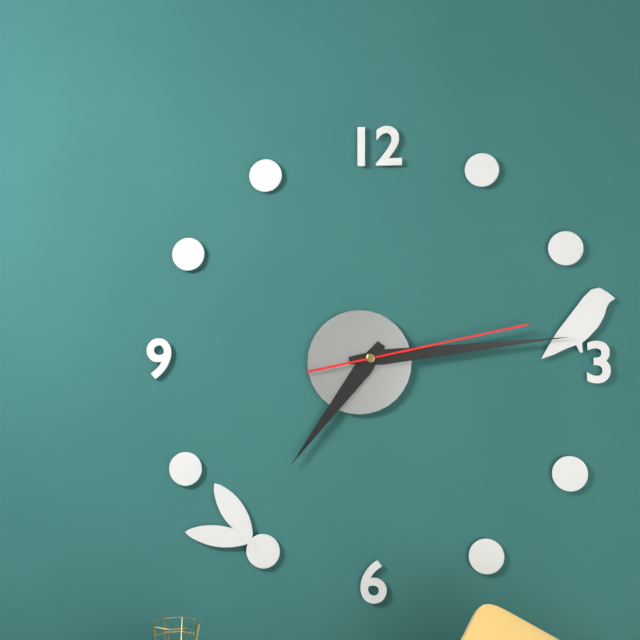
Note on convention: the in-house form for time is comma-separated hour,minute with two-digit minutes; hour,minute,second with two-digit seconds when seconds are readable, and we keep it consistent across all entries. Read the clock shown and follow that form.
7,14,13
